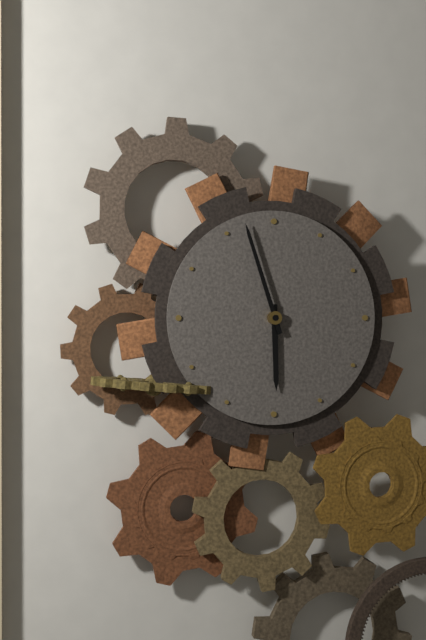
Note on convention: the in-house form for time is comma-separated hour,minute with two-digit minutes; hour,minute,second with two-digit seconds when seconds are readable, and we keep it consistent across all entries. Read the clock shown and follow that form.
5,57
